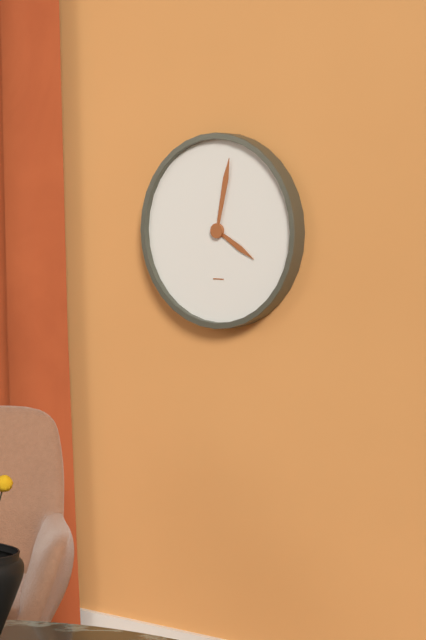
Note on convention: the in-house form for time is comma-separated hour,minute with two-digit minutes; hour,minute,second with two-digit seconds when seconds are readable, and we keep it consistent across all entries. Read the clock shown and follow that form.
4,02
